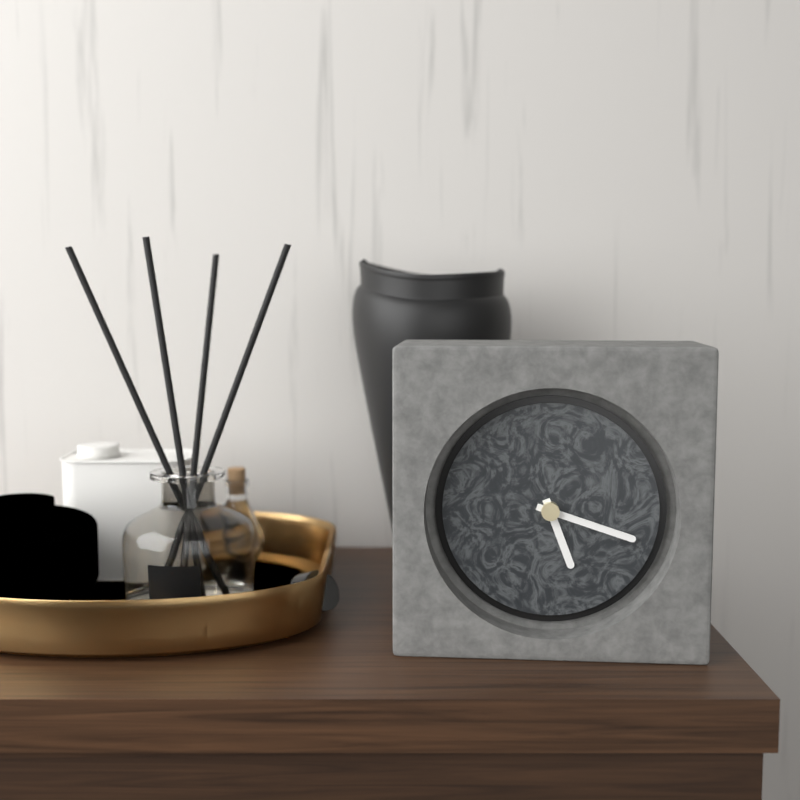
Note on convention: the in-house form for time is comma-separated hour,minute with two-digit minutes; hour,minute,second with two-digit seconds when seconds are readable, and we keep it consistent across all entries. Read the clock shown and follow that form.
5,18
